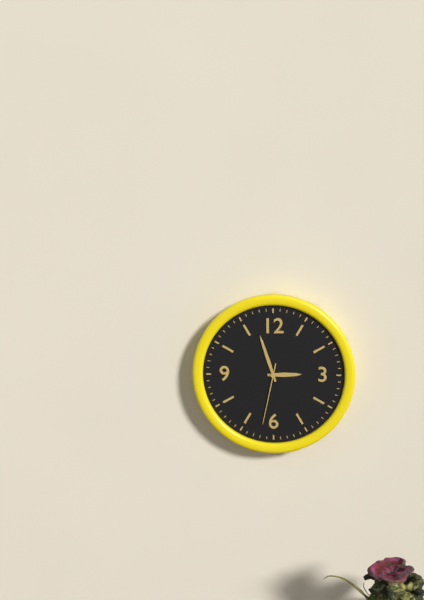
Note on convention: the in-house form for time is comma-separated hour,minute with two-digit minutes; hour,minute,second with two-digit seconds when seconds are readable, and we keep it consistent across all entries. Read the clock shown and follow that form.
2,57,32
